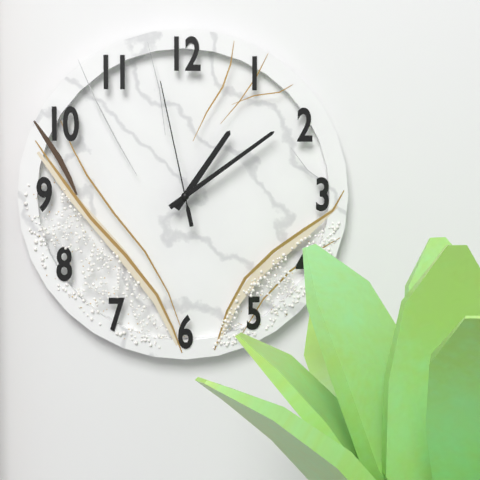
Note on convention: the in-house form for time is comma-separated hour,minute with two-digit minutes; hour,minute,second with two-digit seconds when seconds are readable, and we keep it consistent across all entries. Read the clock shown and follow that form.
1,09,58
